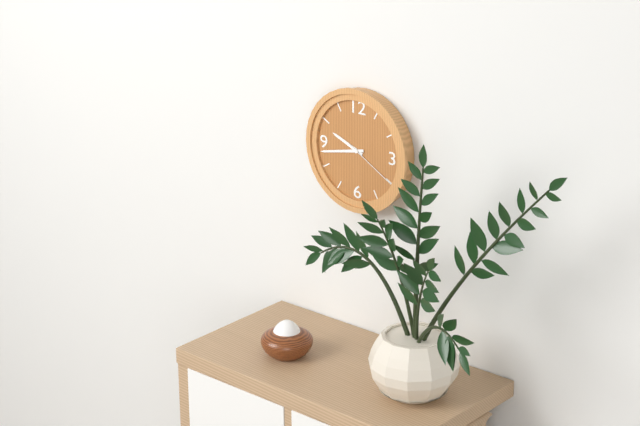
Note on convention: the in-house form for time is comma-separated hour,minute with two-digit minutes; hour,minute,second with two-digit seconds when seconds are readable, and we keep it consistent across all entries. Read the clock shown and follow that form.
9,43,20
